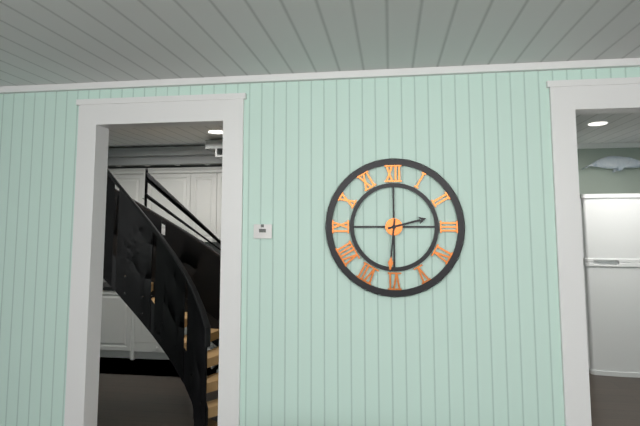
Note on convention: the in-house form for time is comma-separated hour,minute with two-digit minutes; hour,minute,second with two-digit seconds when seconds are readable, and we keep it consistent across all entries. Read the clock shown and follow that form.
2,31
